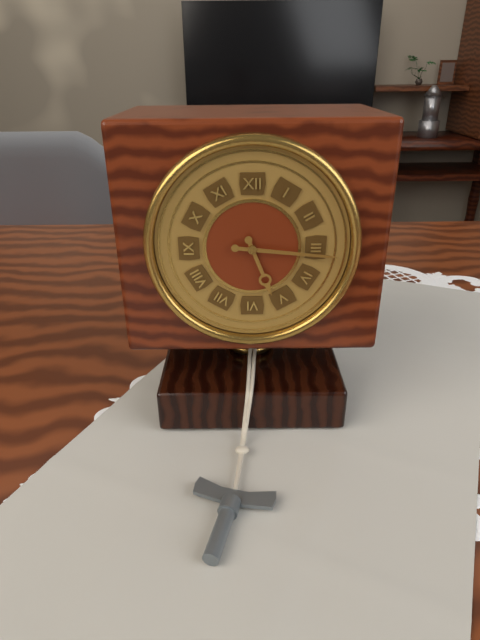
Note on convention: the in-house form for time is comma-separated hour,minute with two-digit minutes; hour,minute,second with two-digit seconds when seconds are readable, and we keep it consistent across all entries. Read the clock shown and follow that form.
5,16
